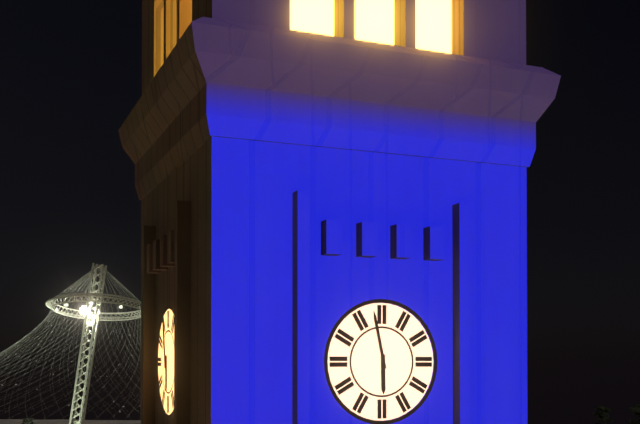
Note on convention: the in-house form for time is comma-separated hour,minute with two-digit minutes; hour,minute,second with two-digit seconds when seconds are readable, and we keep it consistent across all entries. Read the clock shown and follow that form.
5,58
